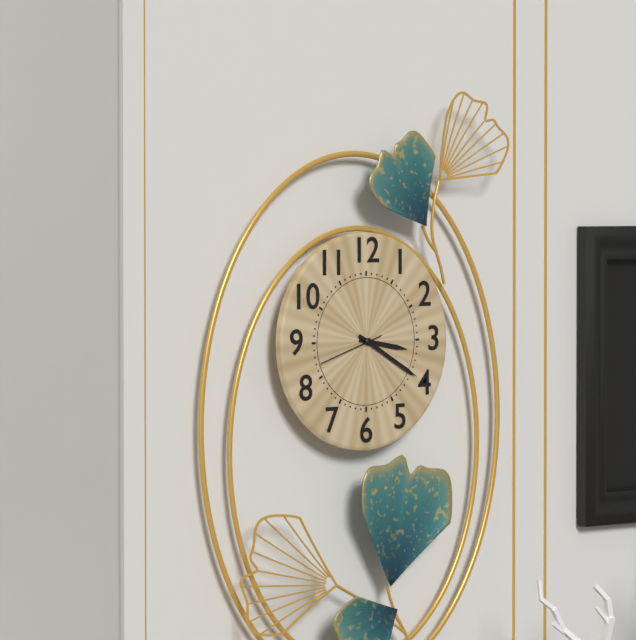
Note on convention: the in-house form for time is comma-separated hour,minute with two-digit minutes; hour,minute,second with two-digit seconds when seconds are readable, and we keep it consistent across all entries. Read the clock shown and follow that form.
3,20,42
